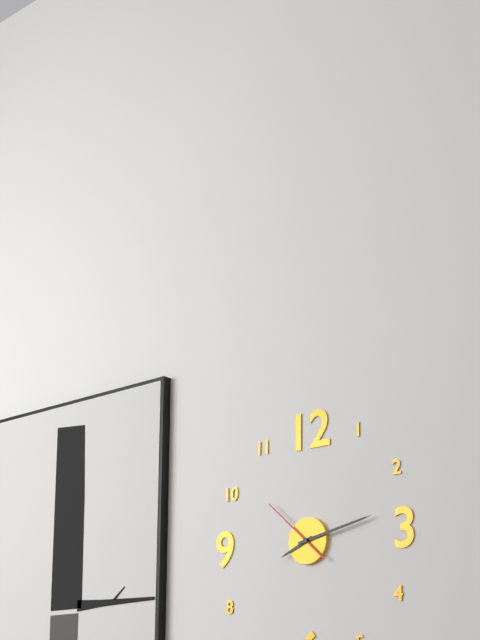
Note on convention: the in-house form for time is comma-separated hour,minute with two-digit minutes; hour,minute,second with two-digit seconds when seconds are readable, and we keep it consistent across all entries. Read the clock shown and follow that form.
8,13,52
